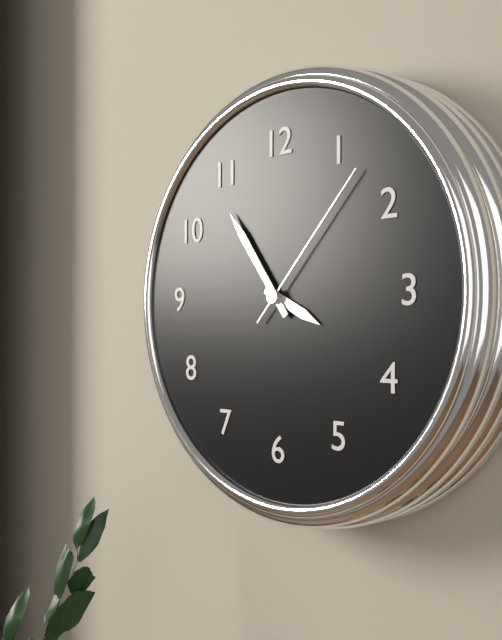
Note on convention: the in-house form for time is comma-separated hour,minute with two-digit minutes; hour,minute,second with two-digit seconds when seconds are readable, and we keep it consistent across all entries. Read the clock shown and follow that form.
3,54,07
